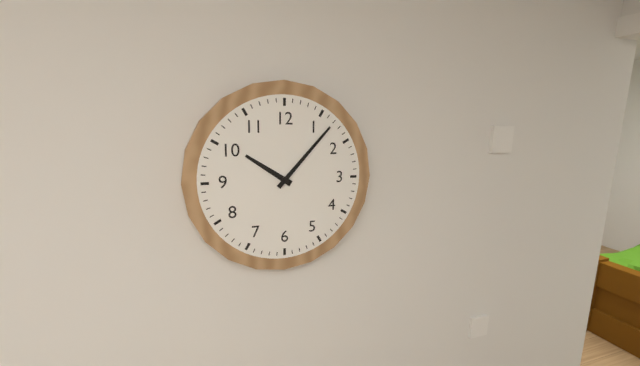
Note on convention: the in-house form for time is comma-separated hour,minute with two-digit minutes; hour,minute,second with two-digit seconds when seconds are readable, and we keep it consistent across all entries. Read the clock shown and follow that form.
10,07
